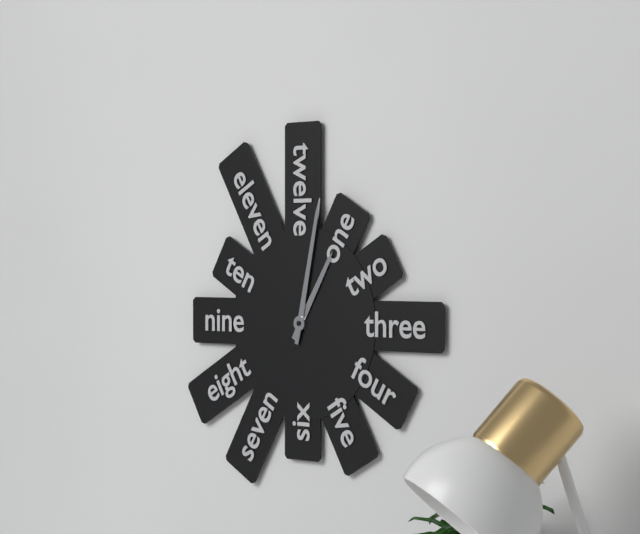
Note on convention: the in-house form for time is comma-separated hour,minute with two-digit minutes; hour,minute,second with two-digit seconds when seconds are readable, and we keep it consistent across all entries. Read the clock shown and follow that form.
1,02
